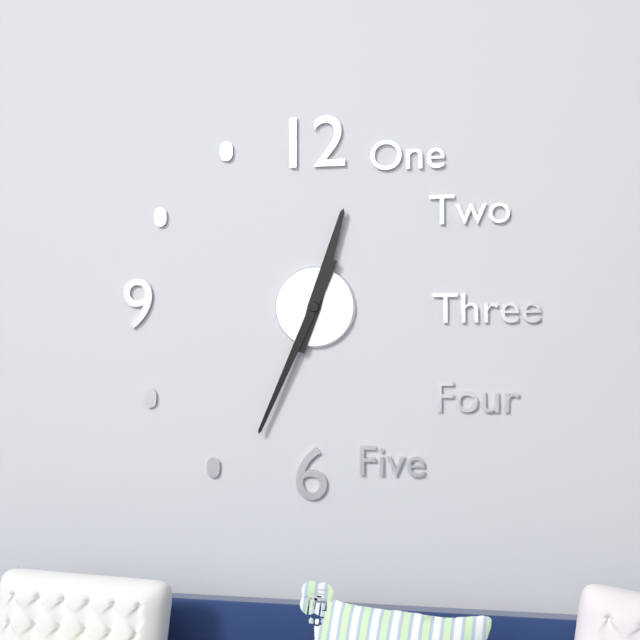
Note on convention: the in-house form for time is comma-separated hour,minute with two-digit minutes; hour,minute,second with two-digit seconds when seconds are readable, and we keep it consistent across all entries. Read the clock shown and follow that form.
12,34
